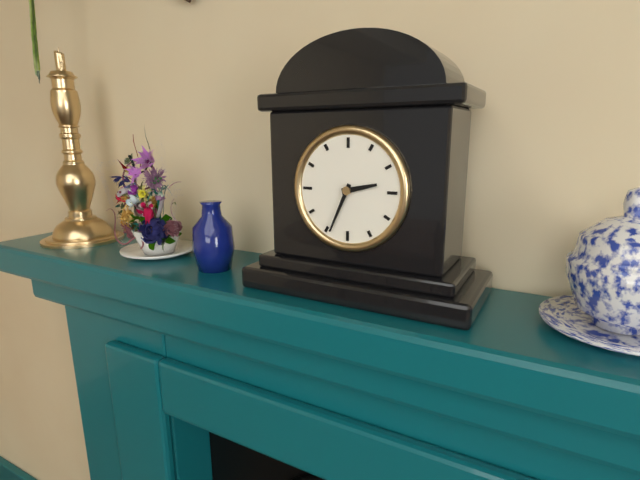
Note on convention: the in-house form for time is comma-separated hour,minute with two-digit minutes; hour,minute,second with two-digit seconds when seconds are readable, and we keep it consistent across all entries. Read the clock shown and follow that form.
2,34
